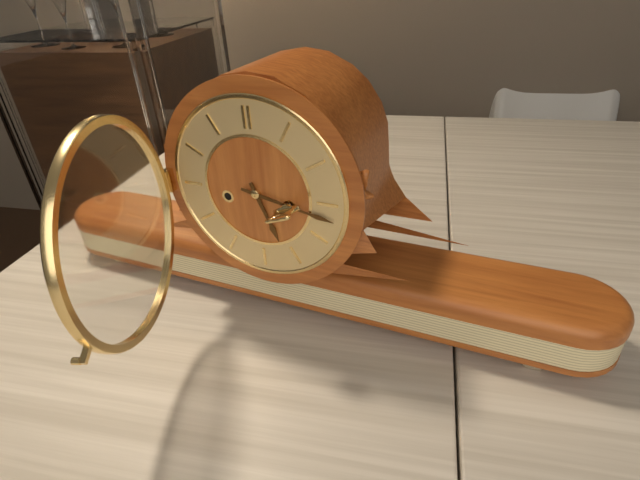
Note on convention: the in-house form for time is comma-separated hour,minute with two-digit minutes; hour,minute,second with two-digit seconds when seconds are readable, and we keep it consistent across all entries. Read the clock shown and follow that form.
5,17
